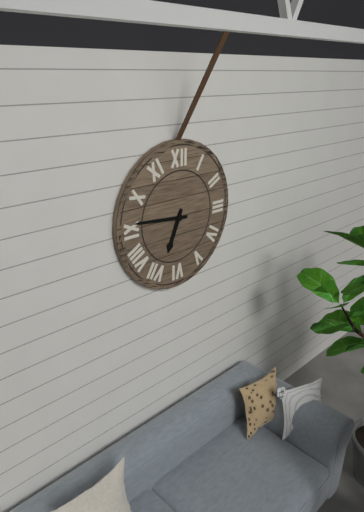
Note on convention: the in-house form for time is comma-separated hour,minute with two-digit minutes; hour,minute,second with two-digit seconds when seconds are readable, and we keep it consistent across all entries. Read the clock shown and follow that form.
6,46
